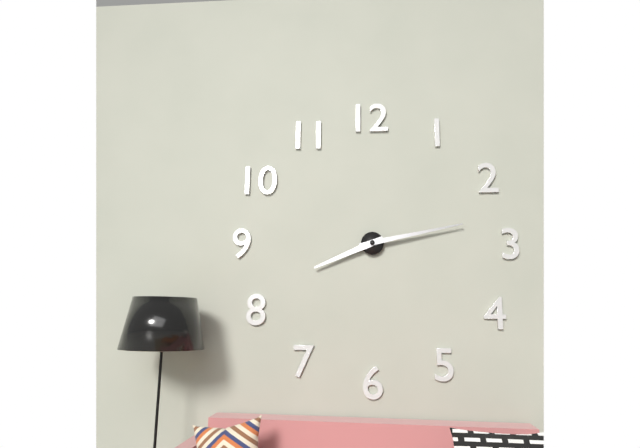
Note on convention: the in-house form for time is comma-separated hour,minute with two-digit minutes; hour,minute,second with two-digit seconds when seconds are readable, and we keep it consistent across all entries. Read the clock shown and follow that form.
8,13
